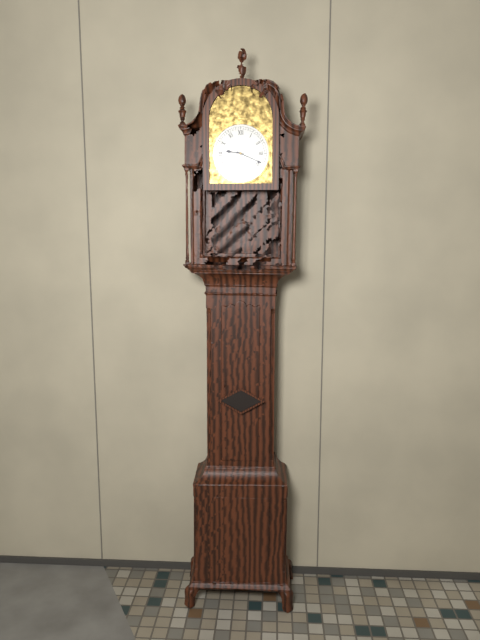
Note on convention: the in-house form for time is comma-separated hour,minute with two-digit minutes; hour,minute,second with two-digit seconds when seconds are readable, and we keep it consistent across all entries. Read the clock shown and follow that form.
9,19
